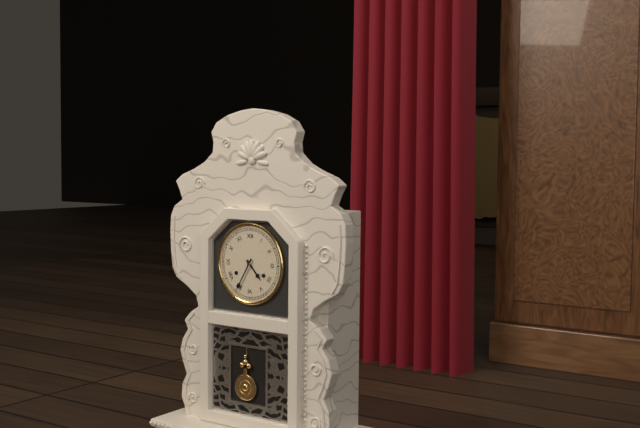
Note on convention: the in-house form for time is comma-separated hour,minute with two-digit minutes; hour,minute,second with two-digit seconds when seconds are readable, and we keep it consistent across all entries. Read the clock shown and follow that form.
4,35
